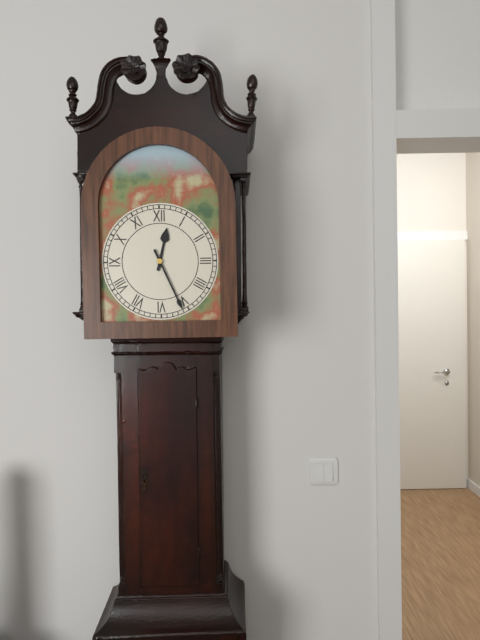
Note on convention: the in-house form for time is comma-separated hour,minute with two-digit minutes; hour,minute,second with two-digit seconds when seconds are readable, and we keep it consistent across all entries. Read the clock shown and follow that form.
12,26
